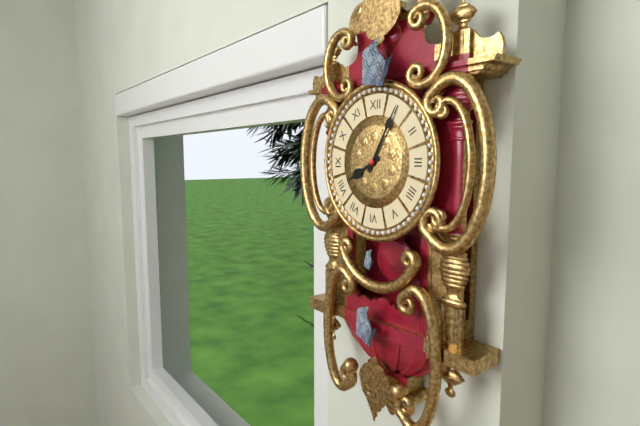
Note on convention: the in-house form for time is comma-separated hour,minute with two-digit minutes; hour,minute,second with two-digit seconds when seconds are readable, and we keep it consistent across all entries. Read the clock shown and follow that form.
8,05
